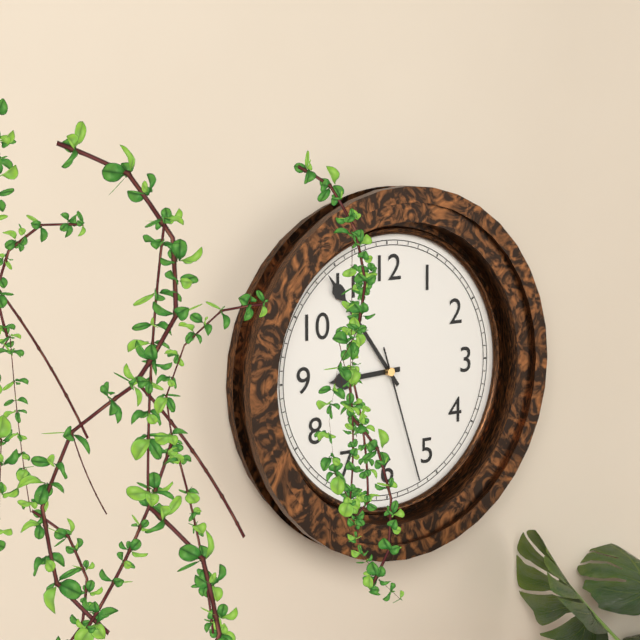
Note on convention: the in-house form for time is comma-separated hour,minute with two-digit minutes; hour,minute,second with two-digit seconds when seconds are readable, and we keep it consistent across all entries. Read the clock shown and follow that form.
8,54,27
